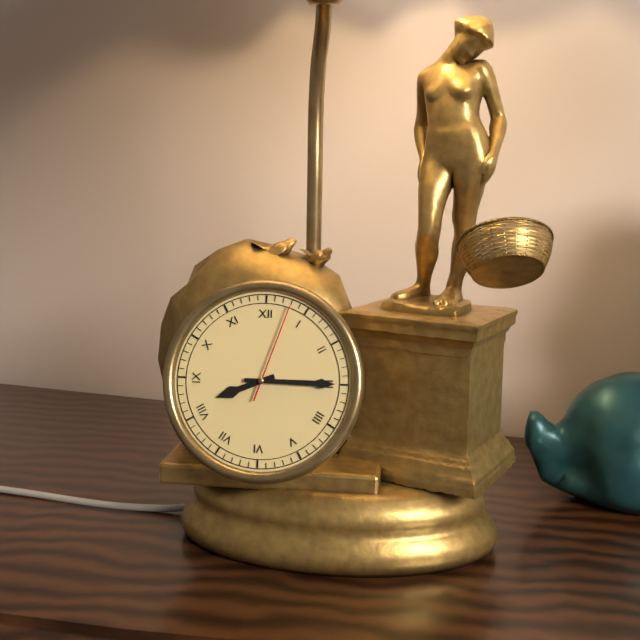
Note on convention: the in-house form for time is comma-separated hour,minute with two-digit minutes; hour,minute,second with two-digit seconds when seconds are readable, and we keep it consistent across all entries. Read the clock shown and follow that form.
8,15,03
